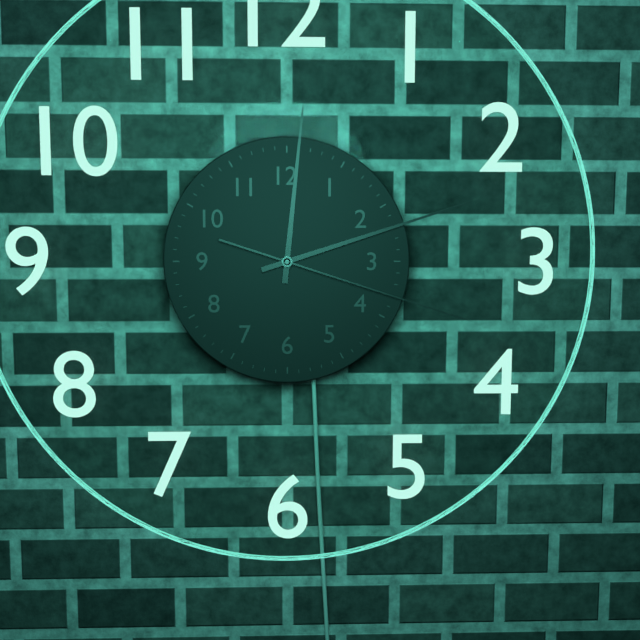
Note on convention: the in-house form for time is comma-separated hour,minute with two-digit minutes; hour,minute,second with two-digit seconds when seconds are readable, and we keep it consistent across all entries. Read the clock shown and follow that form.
12,12,18
